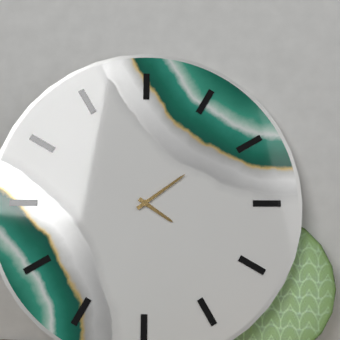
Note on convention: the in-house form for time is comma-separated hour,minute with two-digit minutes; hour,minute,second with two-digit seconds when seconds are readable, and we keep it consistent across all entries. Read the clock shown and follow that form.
4,09
